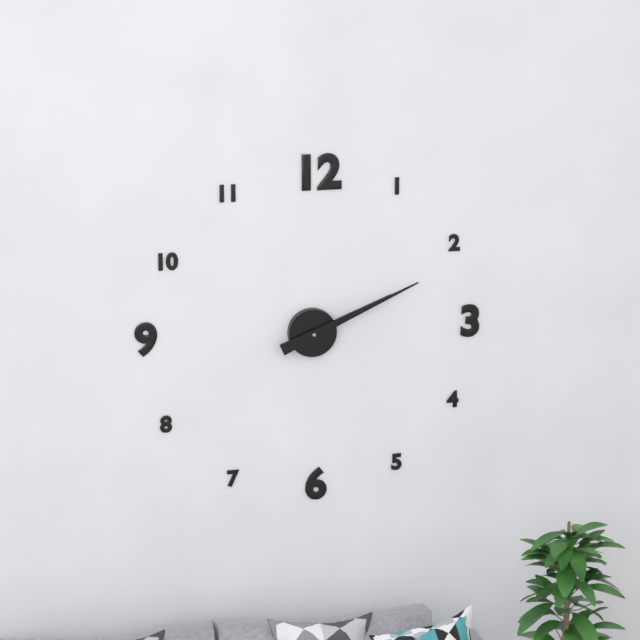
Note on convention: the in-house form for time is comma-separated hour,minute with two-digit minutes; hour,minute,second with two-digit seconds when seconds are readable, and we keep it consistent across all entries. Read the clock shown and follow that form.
2,11
